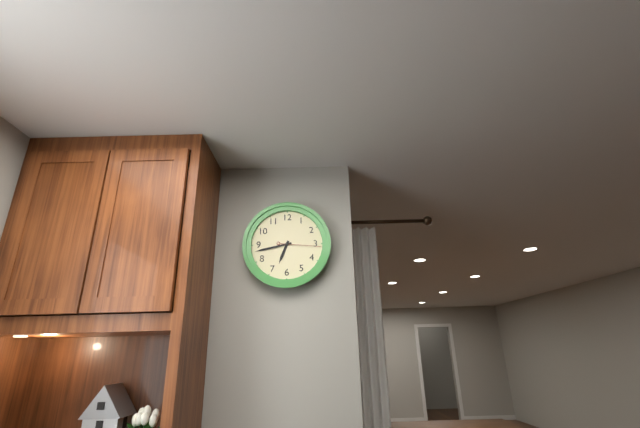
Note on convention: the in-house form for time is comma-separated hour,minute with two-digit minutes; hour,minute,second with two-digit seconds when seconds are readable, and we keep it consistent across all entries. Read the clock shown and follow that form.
6,43
